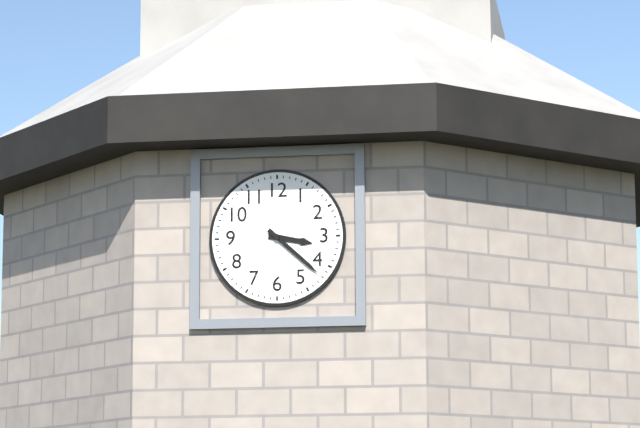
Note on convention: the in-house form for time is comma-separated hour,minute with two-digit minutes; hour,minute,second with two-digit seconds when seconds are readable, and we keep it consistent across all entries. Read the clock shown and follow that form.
3,22
